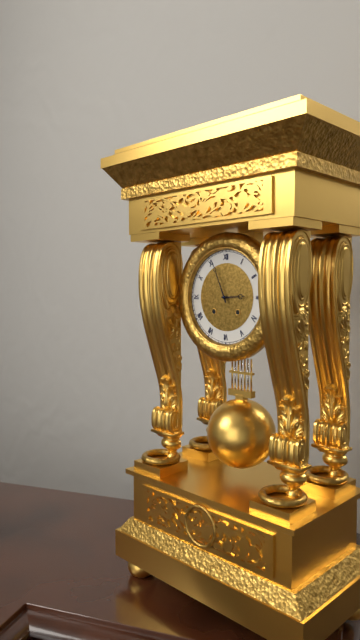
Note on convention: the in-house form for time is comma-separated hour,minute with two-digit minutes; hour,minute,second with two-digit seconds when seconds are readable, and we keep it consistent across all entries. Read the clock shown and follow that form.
2,56
